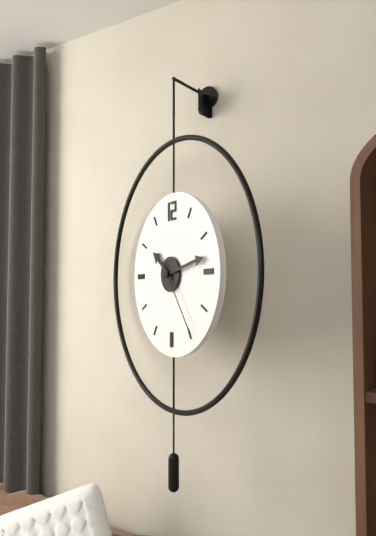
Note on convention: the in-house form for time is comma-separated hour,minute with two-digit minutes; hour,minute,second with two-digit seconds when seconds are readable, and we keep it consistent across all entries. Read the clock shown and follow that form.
10,13,24
